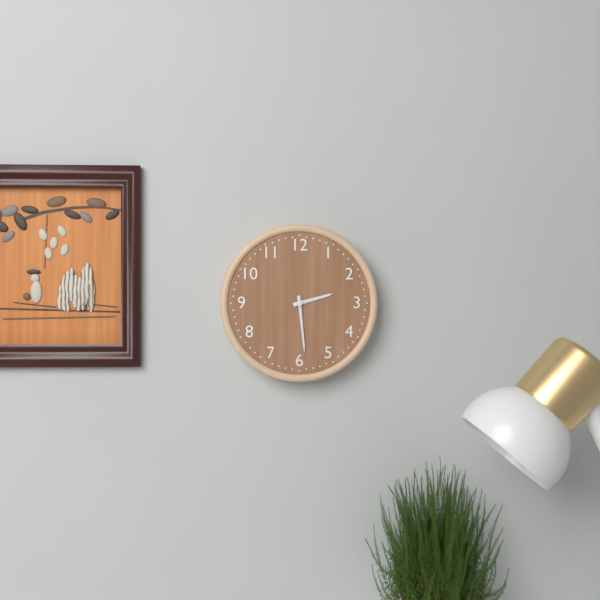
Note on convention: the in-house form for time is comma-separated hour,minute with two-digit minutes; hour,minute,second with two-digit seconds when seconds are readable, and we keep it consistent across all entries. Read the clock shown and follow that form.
2,29
